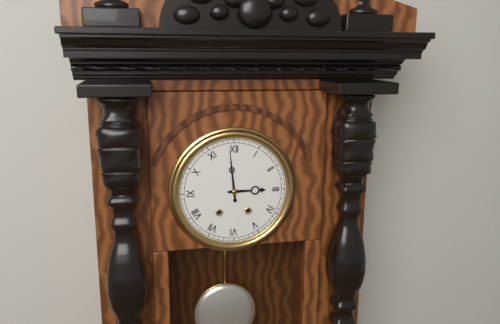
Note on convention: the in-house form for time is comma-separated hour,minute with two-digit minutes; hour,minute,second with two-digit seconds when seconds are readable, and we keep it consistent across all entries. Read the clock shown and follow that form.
2,59
